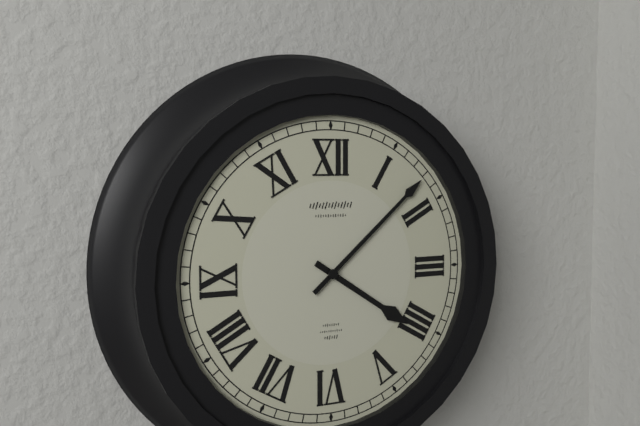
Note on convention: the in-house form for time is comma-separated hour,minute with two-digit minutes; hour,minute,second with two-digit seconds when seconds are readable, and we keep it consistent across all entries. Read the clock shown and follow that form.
4,08
